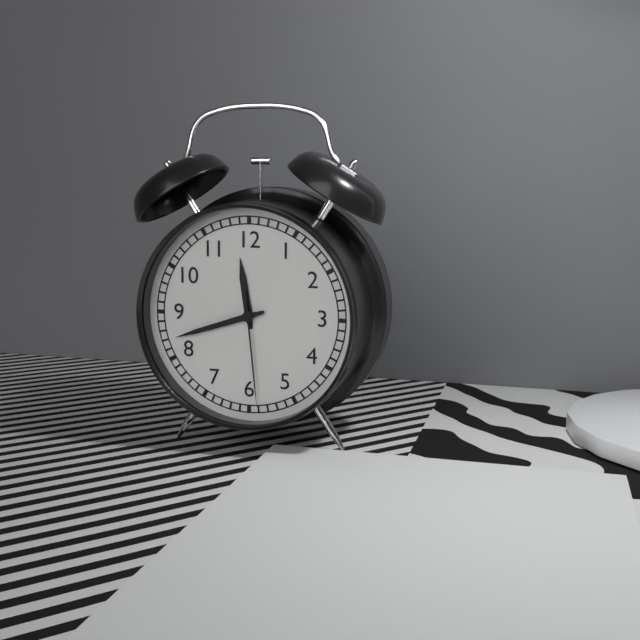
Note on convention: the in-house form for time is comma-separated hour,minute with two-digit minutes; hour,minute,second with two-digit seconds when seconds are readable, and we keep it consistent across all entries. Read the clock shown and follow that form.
11,42,29
